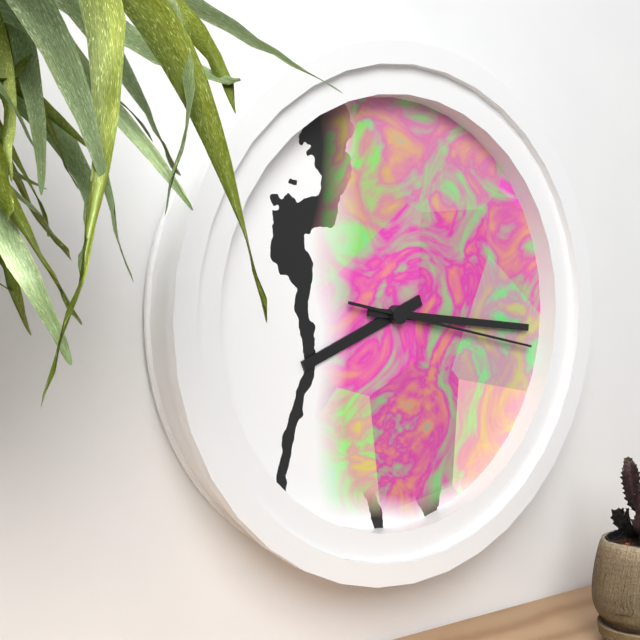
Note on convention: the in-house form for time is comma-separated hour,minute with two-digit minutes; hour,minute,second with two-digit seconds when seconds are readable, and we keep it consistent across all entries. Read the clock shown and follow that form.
8,16,17
